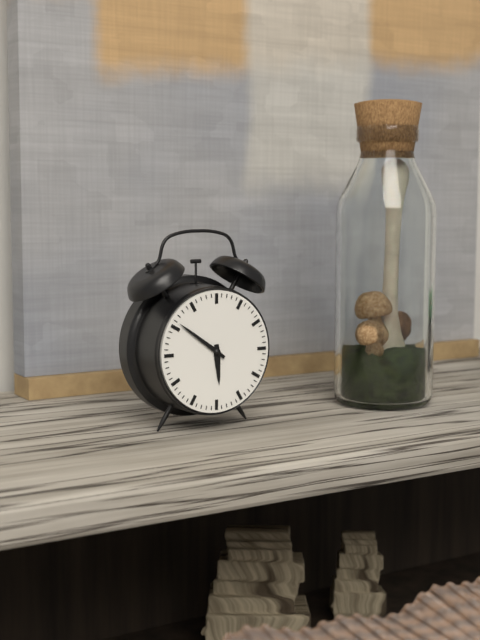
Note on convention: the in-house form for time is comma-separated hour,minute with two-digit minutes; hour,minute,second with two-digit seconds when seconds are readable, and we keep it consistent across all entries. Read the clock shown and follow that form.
5,51
